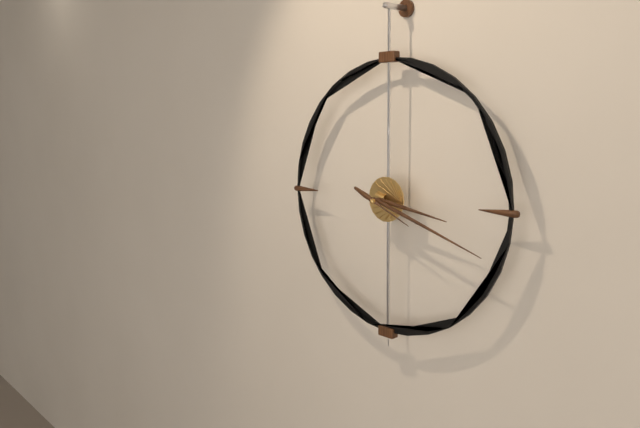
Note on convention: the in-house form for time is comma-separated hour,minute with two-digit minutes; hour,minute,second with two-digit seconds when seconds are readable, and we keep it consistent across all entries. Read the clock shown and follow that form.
3,18,19
